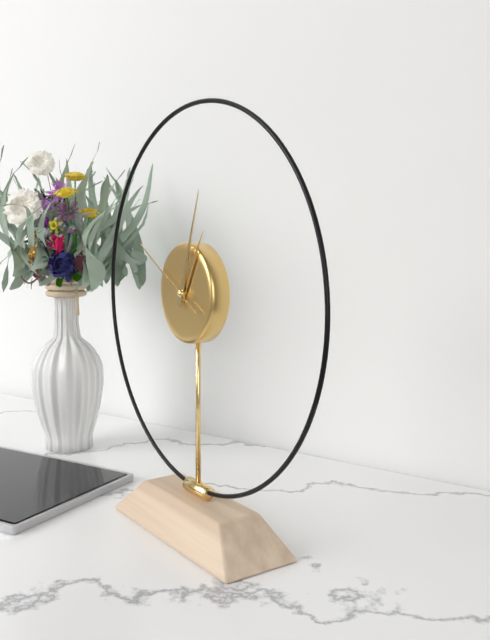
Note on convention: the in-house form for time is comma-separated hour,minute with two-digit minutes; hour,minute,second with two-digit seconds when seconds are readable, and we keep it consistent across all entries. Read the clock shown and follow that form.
1,03,50
